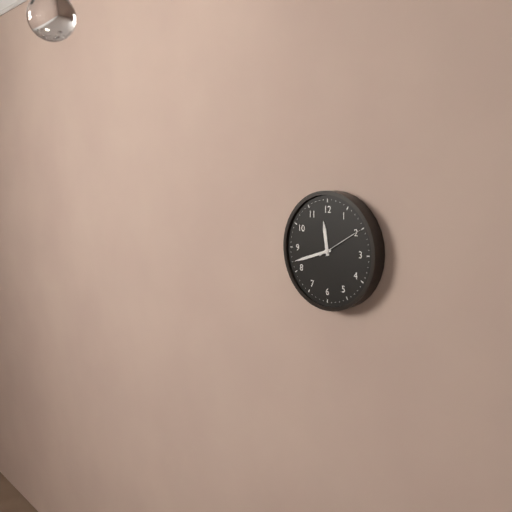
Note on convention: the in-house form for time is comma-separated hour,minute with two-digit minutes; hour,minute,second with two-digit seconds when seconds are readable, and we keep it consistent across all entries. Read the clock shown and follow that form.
11,42
